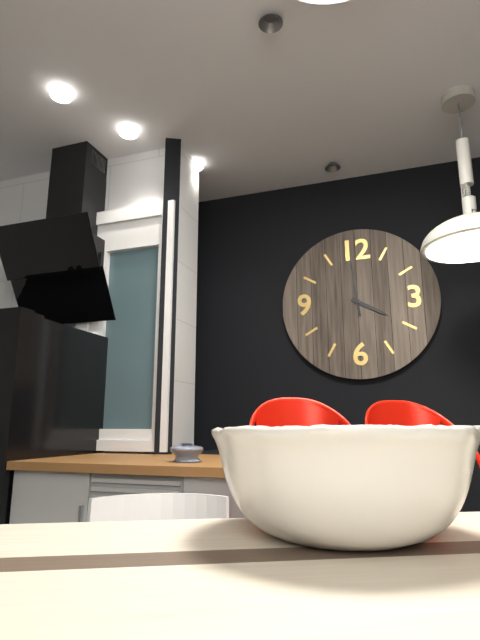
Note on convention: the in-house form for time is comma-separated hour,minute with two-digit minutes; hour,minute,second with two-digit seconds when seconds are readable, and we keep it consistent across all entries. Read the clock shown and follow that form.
3,59
